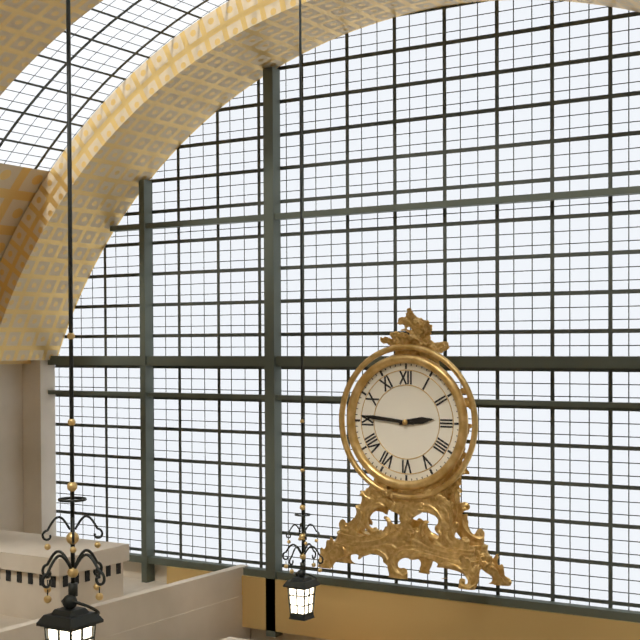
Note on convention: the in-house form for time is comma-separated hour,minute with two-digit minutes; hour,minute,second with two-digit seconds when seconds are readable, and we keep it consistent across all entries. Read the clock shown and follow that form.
2,46
